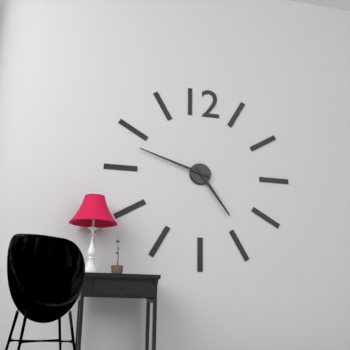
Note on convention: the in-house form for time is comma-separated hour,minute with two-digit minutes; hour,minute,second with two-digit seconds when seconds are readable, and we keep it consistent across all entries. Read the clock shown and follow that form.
4,48
